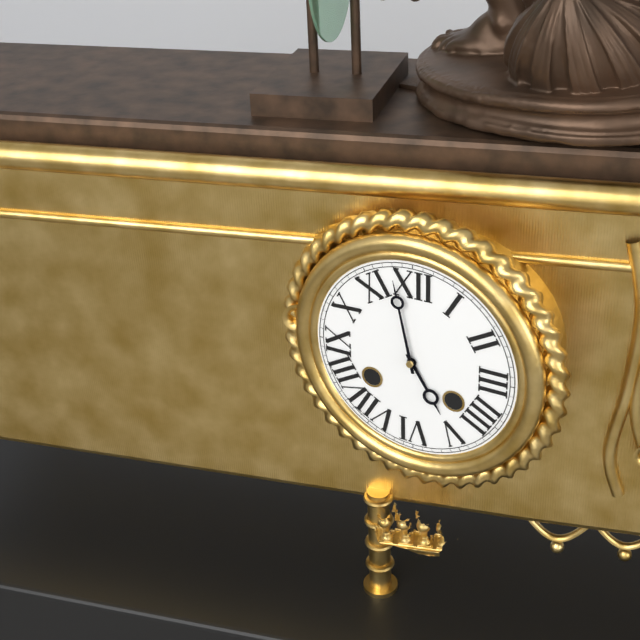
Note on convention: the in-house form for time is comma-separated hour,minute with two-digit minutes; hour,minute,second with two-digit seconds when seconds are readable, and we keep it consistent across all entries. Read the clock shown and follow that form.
4,58
